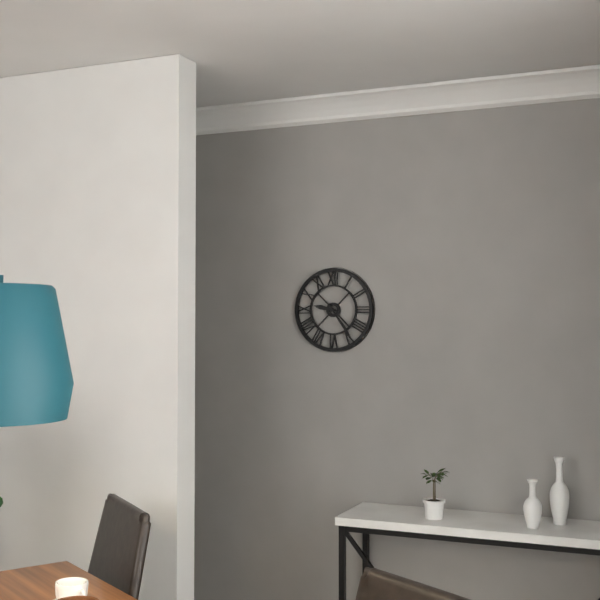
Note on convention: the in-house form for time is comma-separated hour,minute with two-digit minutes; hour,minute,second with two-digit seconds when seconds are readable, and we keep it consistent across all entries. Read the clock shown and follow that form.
9,24
